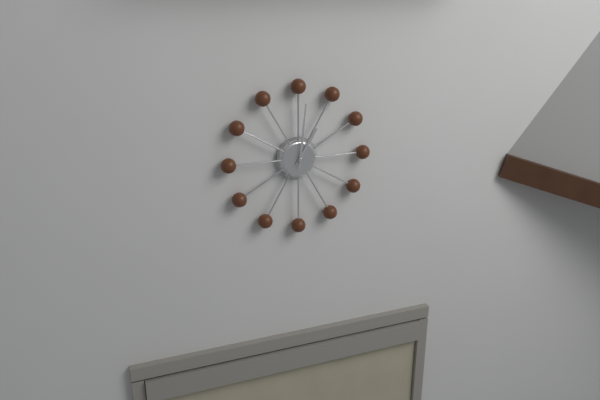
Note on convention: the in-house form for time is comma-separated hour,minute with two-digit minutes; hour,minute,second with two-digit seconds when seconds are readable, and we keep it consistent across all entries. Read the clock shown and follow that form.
1,01
